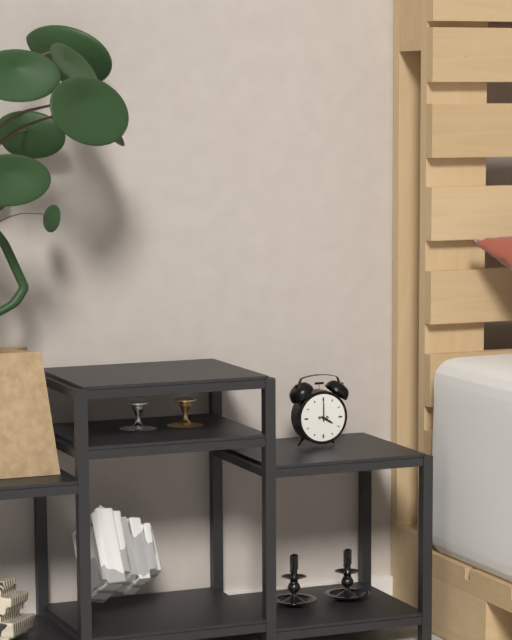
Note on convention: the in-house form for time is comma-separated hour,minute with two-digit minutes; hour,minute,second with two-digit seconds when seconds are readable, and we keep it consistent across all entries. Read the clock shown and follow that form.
4,00
